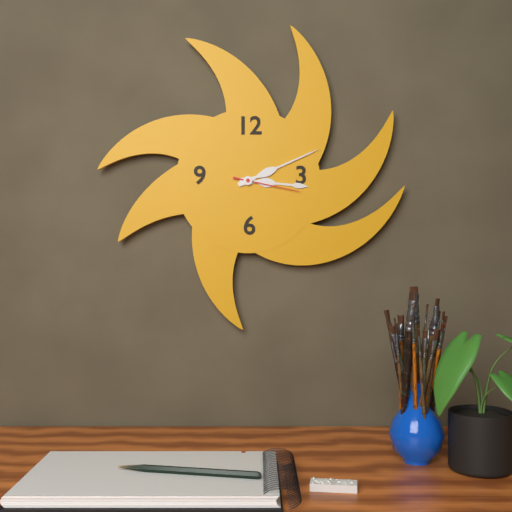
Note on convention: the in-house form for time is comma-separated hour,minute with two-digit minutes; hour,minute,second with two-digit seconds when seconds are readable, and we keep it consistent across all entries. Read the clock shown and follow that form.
3,11,17
